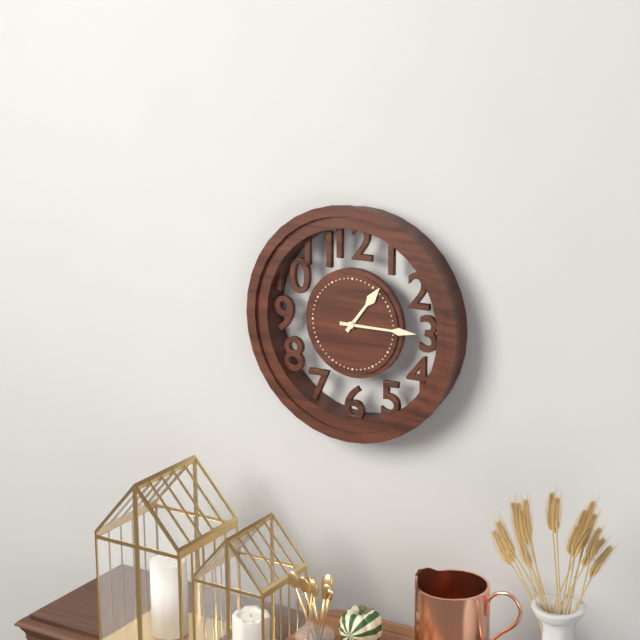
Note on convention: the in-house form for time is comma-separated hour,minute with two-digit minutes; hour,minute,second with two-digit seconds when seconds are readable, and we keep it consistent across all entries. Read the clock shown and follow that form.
1,15
